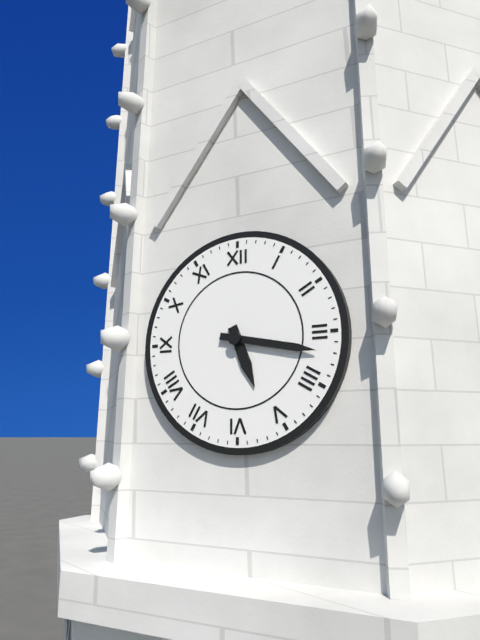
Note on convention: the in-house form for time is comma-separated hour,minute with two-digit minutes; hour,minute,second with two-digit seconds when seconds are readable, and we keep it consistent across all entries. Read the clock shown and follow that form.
5,17
